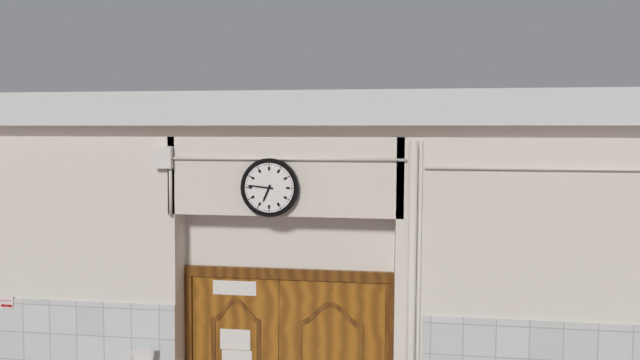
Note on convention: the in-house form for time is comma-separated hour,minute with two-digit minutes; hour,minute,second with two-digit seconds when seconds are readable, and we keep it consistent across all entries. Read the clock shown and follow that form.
6,46
